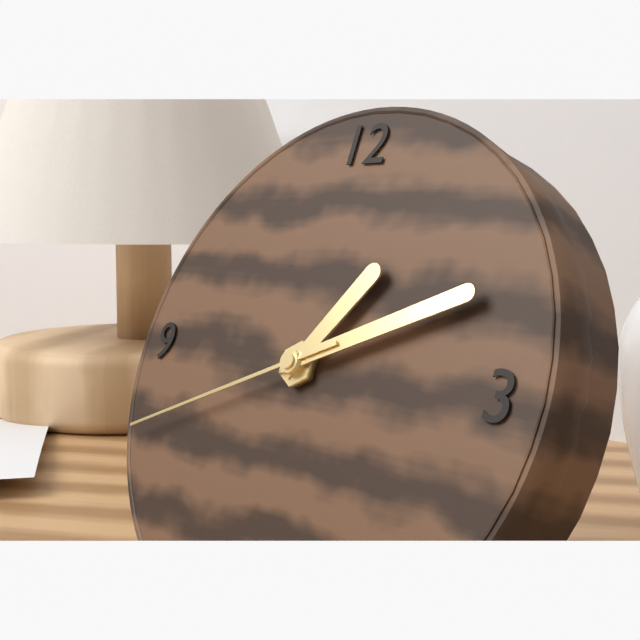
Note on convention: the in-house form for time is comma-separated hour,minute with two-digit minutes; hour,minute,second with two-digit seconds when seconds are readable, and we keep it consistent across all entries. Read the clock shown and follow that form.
1,11,41
